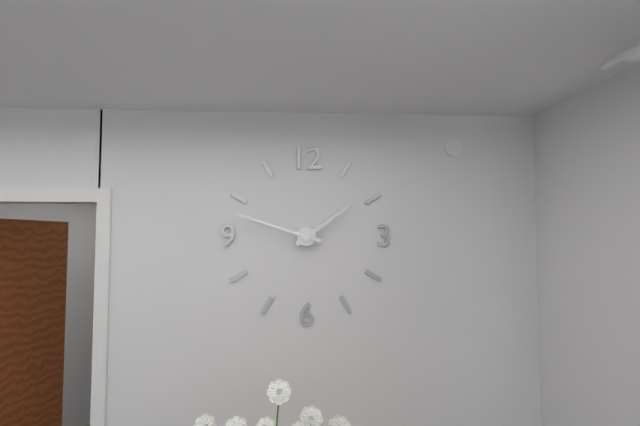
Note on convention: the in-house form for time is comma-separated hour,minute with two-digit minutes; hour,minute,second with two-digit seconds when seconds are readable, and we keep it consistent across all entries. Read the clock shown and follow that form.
1,48
